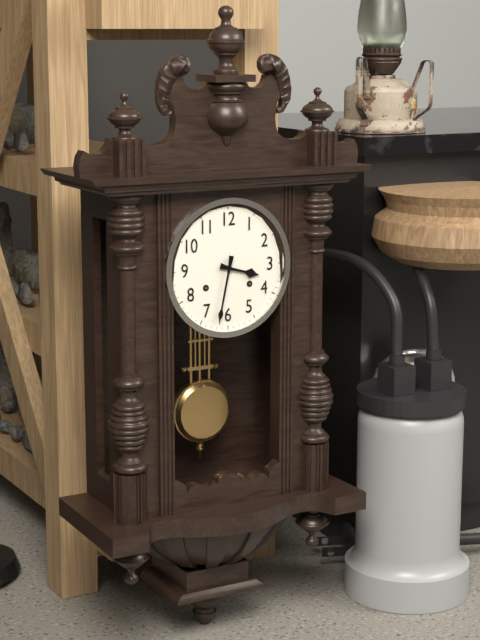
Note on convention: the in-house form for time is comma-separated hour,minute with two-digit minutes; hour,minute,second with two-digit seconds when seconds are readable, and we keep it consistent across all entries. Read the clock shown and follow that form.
3,32
